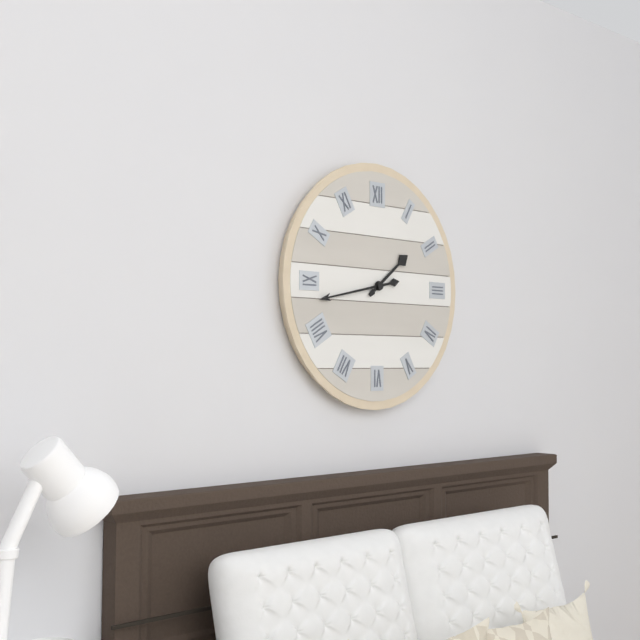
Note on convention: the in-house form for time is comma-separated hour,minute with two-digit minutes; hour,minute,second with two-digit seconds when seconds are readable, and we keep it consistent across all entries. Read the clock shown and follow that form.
1,43
